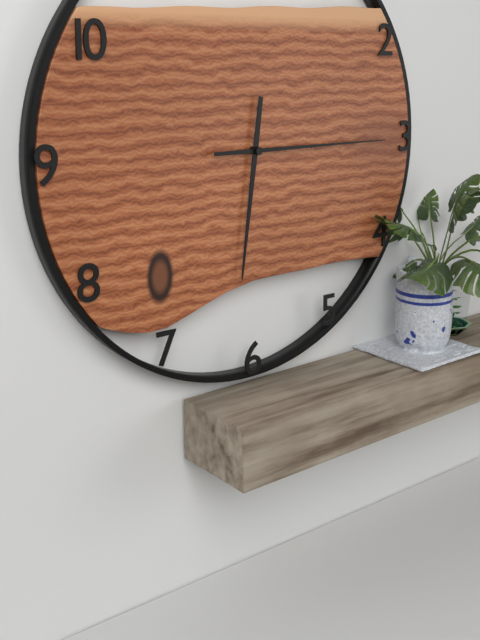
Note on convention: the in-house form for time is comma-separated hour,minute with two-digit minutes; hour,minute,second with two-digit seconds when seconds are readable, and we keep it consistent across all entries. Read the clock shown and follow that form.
6,15
